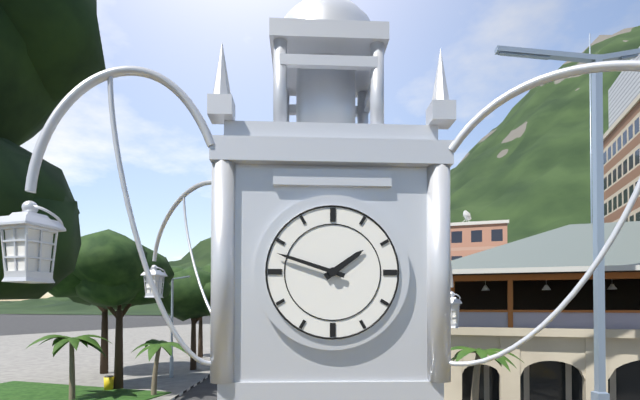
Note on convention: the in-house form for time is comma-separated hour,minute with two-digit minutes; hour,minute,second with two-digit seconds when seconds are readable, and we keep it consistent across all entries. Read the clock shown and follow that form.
1,48
